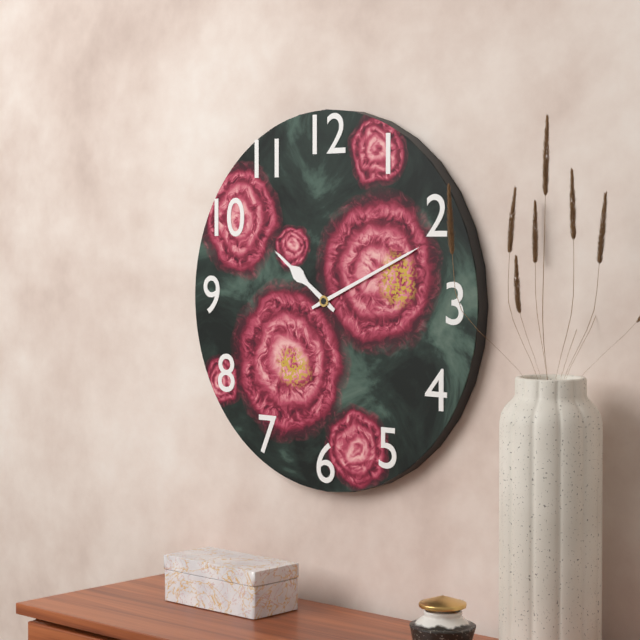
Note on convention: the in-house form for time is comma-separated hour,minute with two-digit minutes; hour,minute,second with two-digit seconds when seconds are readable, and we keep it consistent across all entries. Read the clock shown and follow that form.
10,11
